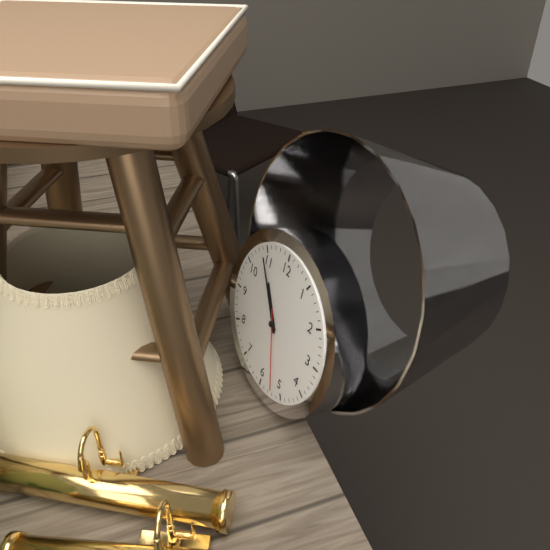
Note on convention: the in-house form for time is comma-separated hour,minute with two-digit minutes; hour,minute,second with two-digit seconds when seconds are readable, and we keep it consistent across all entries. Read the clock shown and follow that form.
10,54,27
